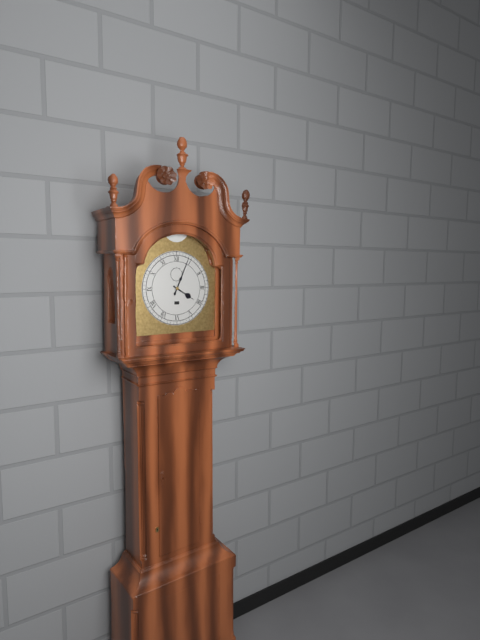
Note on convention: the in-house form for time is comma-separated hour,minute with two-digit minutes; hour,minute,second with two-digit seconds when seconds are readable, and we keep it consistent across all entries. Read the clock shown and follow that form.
4,04
